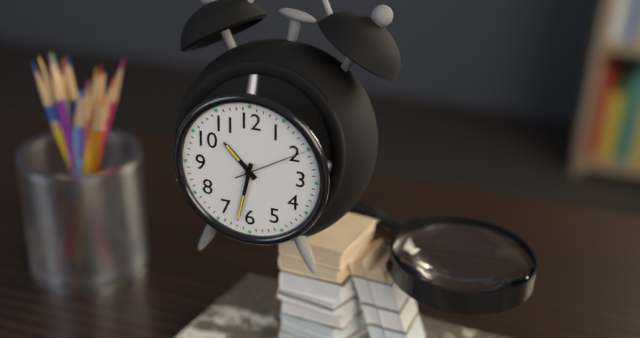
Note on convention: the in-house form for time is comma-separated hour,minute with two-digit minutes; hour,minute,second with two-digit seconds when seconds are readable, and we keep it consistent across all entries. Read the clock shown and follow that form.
10,32,10
